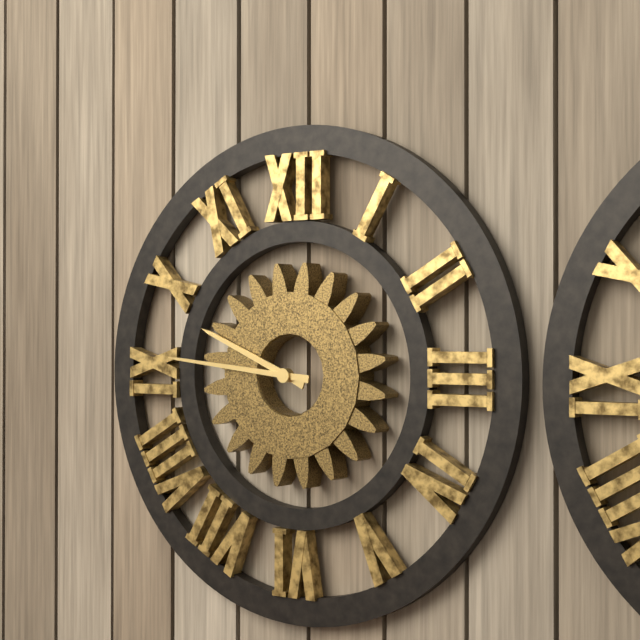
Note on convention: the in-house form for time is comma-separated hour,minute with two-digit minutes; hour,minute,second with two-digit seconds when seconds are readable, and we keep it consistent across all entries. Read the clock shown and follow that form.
9,46
